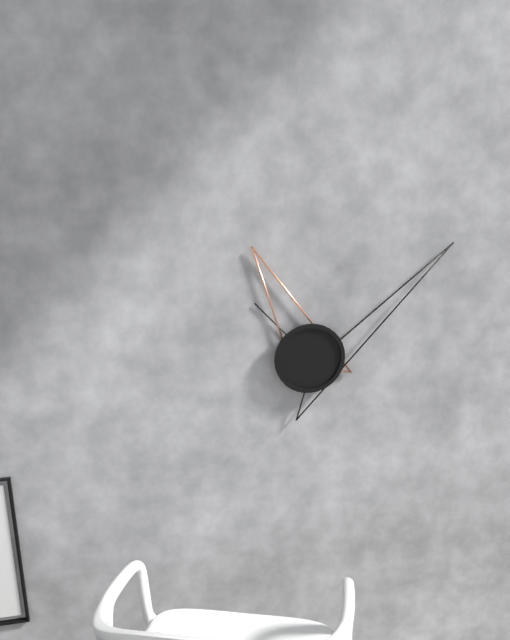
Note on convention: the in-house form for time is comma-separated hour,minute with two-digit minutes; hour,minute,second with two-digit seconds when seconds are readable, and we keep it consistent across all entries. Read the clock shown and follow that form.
11,09,53
